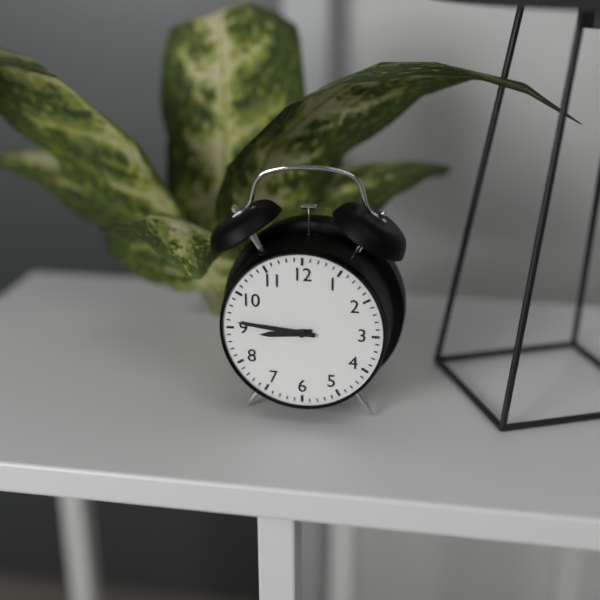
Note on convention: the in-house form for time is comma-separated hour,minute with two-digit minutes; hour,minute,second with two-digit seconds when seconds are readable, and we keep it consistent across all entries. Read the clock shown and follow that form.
8,46
